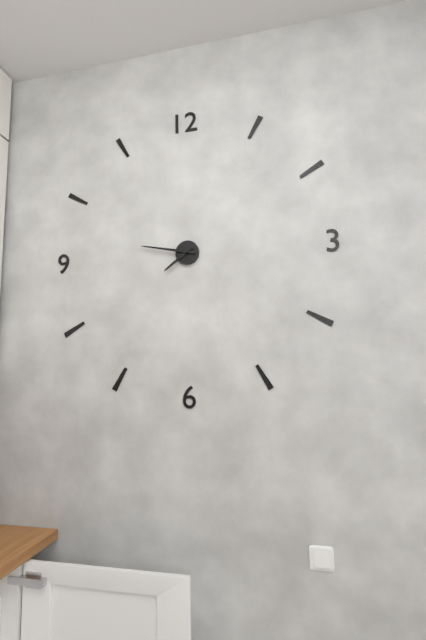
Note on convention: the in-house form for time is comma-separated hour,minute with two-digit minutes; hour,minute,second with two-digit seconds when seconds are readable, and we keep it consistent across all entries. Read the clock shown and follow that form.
7,47
